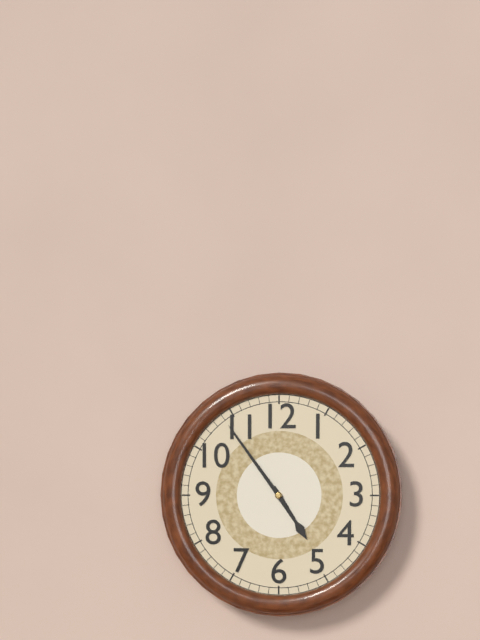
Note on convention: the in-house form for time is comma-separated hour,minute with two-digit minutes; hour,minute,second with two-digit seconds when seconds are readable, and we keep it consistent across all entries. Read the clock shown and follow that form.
4,54
